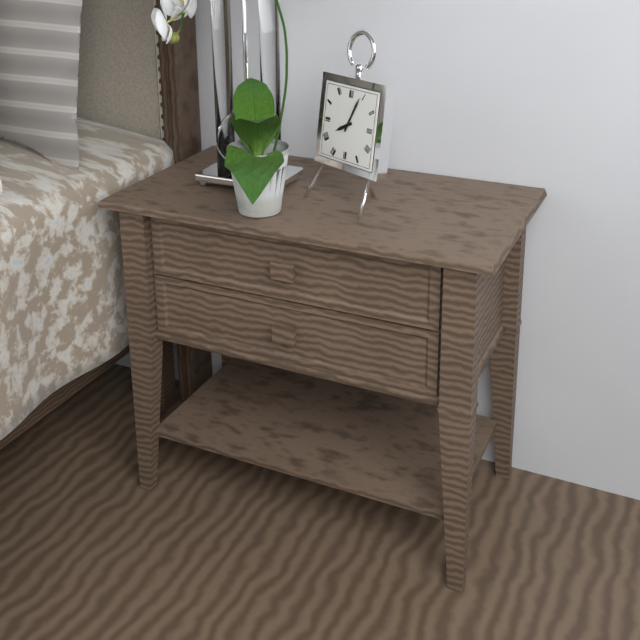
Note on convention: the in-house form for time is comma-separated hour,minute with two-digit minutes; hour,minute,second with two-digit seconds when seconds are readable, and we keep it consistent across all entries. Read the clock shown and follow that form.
8,04
